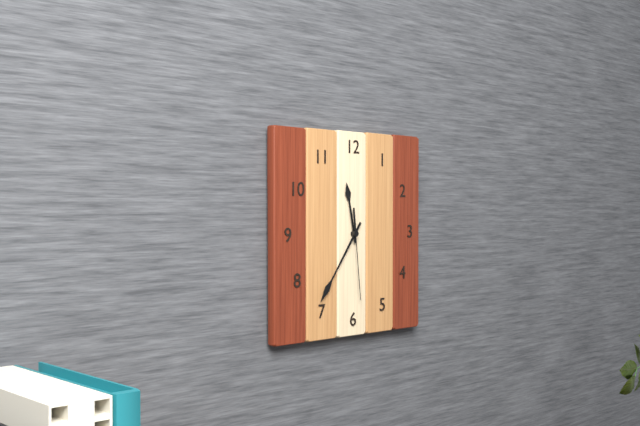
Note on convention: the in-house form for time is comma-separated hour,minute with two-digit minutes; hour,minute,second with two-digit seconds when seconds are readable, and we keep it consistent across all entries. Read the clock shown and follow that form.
11,36,29
